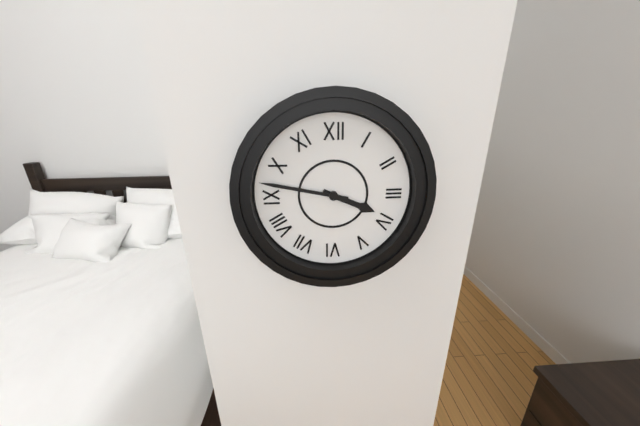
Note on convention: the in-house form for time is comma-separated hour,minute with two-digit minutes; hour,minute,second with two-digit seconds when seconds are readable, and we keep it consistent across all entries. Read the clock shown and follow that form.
3,47
